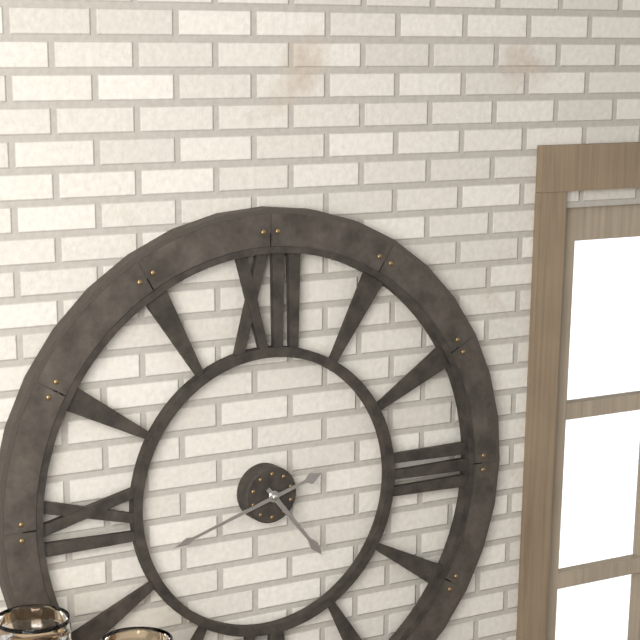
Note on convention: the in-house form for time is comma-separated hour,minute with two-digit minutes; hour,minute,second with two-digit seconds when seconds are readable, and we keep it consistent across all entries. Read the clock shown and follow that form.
4,42
